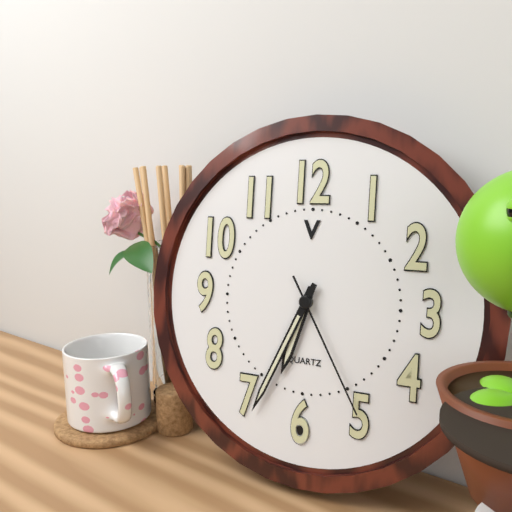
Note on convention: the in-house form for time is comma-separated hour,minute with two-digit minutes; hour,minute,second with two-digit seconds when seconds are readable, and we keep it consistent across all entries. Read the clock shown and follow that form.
6,34,25
